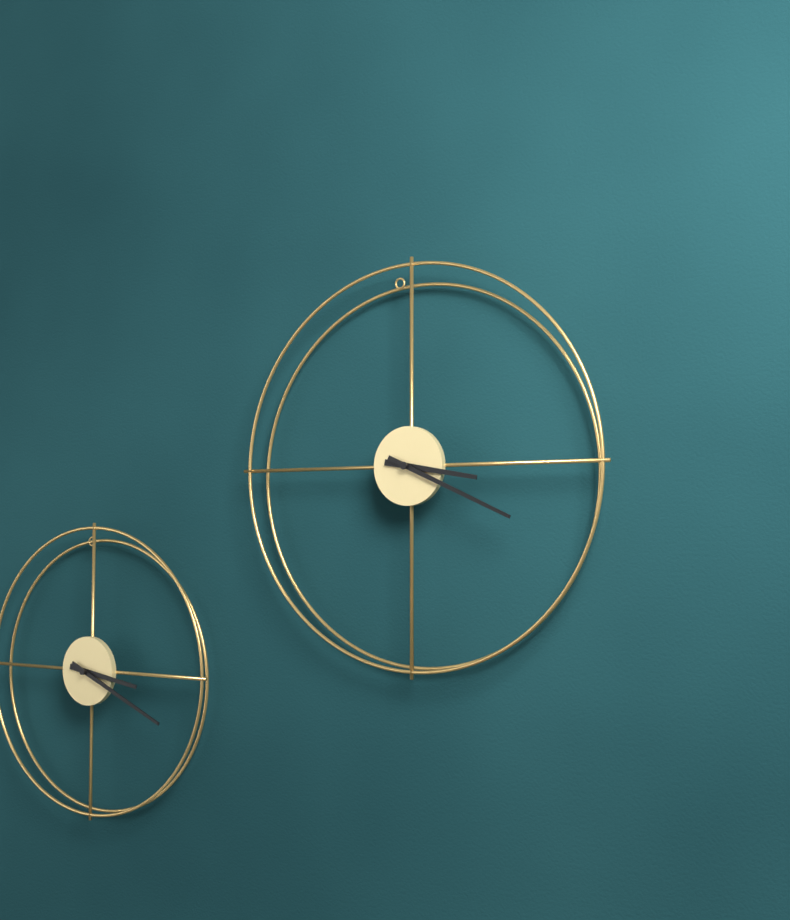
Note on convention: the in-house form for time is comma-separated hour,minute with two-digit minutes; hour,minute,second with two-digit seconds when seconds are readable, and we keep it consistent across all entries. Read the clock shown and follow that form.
3,19
